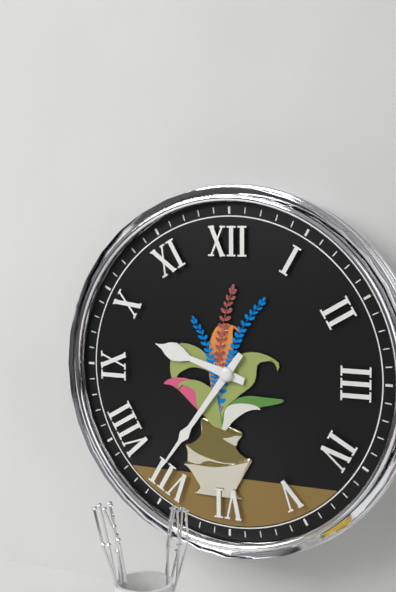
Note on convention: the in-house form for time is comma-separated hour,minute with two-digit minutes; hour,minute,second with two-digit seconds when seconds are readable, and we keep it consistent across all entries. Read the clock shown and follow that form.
9,36
